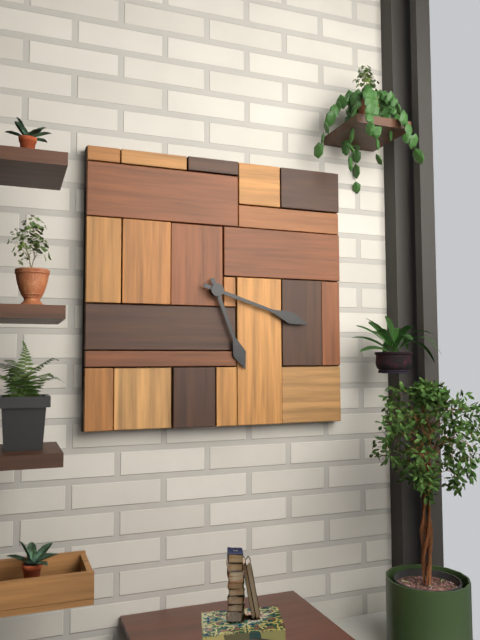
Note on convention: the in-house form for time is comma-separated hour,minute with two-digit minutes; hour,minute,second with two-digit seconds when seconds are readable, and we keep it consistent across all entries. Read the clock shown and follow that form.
5,18
